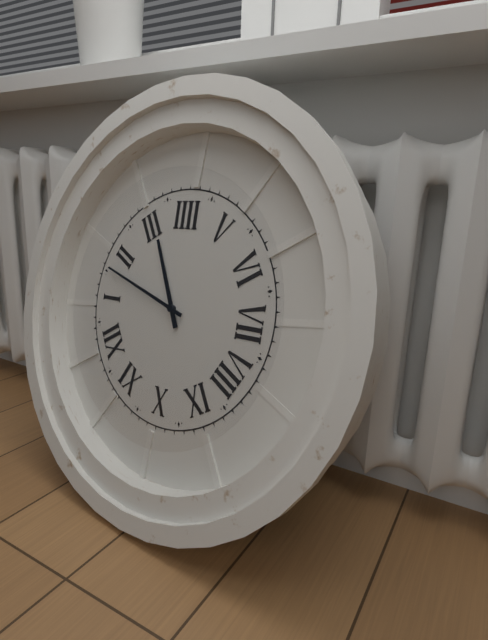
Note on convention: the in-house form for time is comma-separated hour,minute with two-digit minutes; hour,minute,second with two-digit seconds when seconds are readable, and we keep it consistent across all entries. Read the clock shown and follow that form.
3,08
